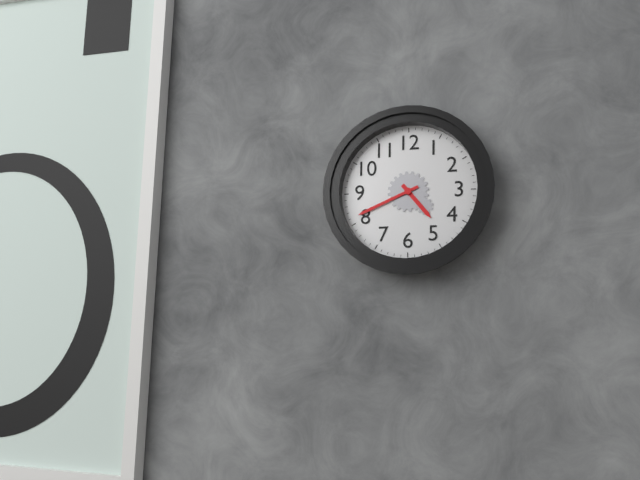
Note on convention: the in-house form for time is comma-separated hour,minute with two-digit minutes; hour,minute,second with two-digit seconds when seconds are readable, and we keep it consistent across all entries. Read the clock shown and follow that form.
4,41
